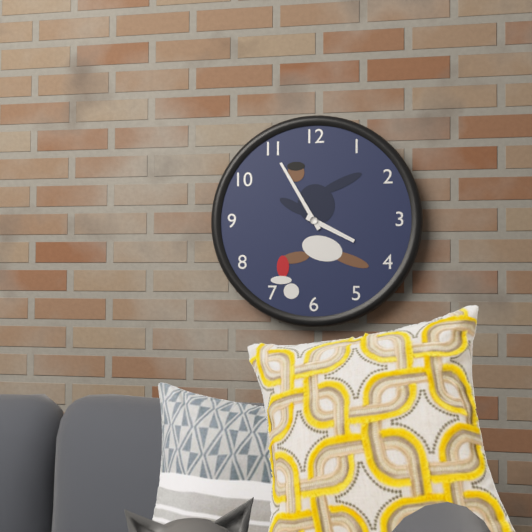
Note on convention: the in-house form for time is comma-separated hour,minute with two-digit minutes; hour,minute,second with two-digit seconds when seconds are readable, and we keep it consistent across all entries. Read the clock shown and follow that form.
3,55
